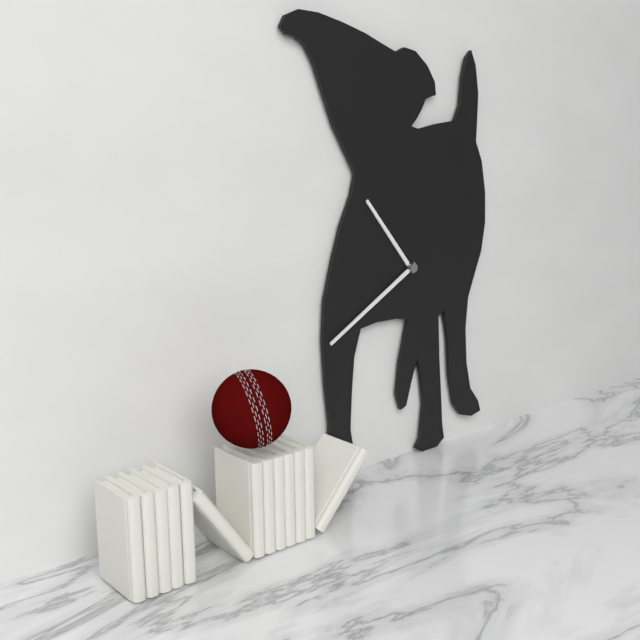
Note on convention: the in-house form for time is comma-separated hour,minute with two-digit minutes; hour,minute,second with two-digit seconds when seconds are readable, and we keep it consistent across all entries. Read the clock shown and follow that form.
10,40
